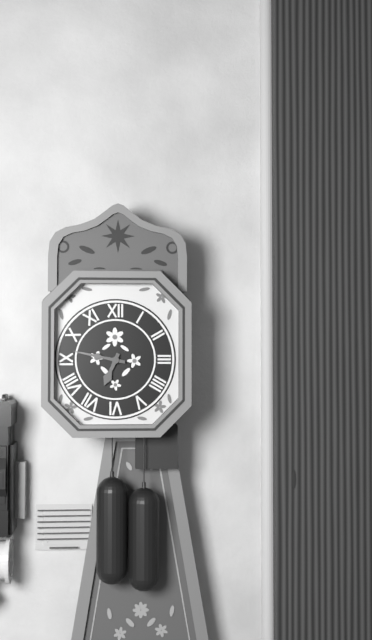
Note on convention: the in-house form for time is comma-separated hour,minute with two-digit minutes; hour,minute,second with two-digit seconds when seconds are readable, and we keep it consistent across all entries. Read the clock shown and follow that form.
6,47
